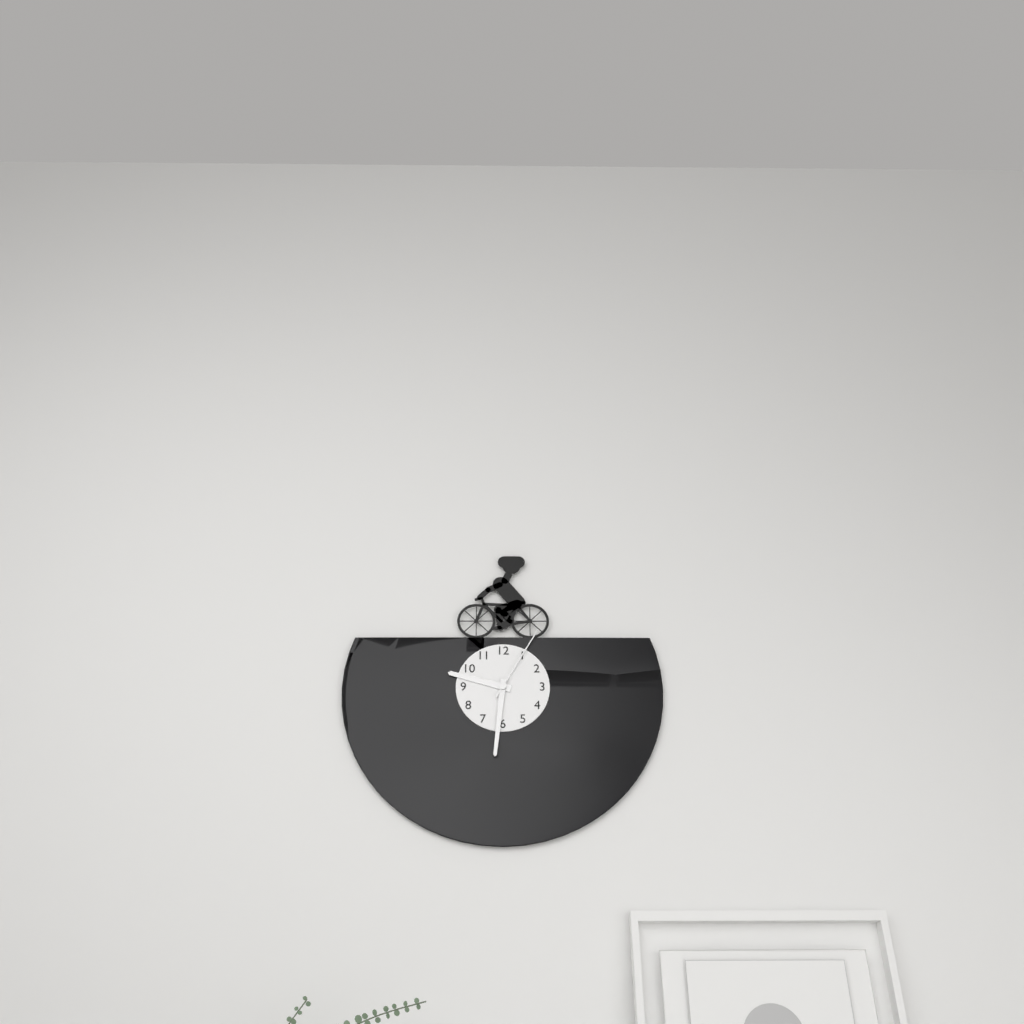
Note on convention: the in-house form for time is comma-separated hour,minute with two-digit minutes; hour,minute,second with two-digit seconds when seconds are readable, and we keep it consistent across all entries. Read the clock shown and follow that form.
9,31,05
